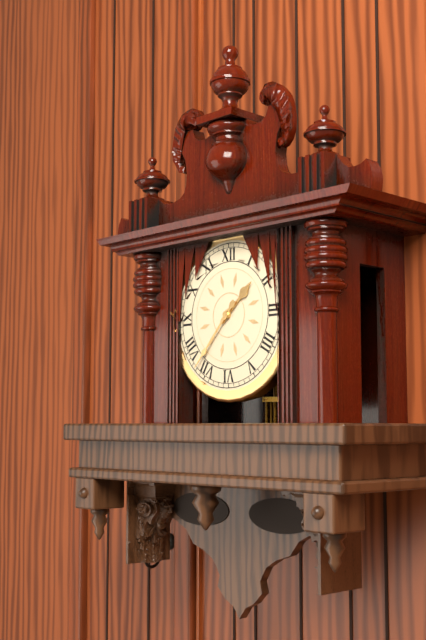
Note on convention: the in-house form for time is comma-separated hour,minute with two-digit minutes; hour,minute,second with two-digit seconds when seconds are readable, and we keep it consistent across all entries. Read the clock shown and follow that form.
1,37
